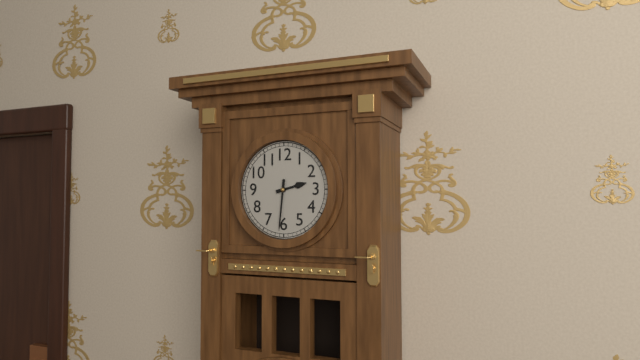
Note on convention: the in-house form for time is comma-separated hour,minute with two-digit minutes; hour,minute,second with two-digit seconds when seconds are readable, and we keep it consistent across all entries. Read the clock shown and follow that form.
2,31
